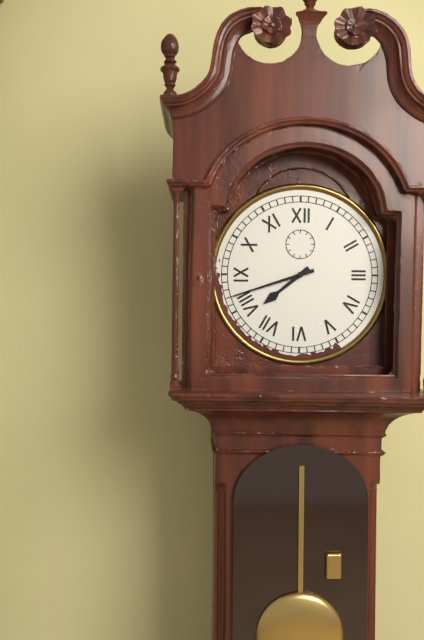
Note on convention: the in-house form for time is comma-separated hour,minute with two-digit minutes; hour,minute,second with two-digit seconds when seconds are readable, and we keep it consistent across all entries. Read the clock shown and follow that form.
7,42
